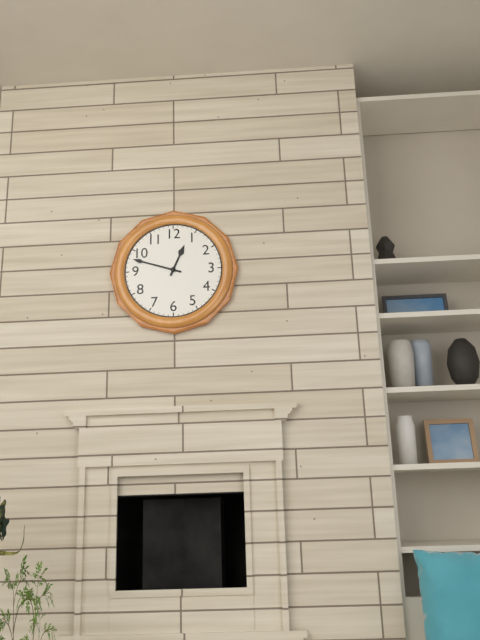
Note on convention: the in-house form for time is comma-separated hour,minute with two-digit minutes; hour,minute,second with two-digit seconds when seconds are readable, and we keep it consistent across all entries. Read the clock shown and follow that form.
12,48
